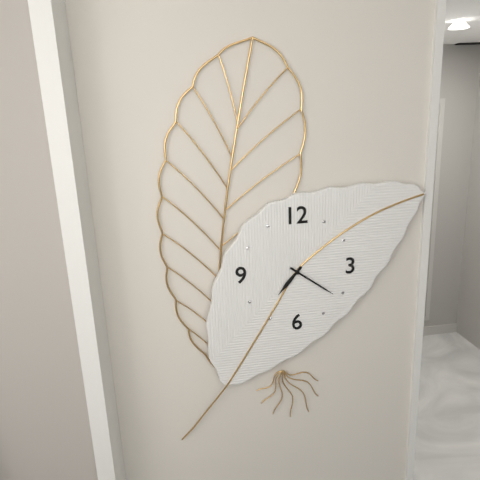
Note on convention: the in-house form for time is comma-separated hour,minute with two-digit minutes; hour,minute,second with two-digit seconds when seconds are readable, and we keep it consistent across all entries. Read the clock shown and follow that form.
7,21
